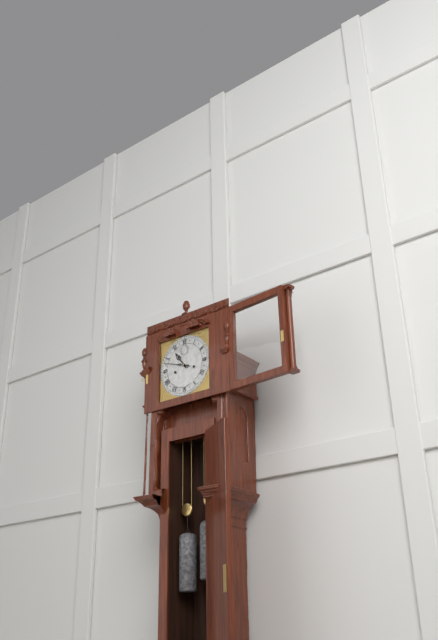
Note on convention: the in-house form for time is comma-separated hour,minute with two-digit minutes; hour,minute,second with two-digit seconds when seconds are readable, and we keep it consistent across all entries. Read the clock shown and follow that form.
10,48
